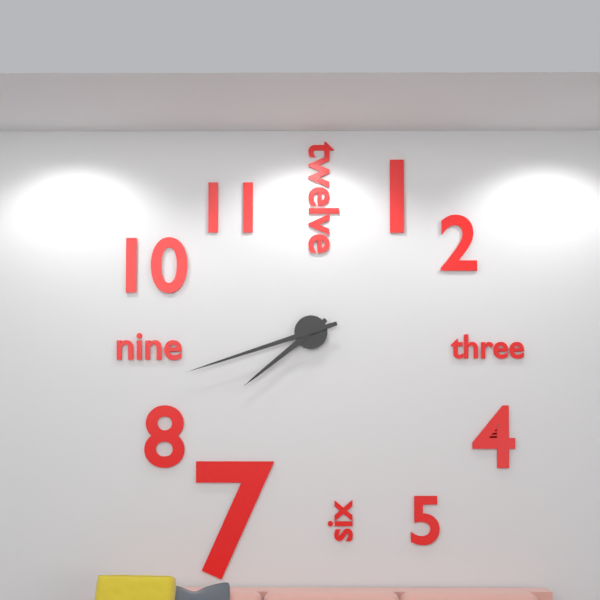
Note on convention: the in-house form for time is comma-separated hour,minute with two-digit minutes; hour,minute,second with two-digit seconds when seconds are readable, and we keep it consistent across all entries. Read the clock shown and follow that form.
7,42
